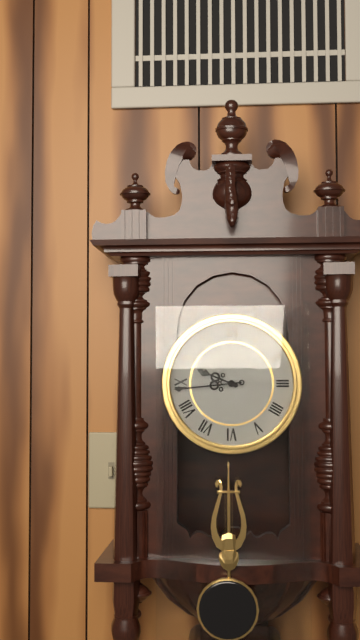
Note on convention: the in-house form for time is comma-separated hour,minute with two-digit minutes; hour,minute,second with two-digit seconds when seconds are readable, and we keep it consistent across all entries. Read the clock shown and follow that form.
9,44
